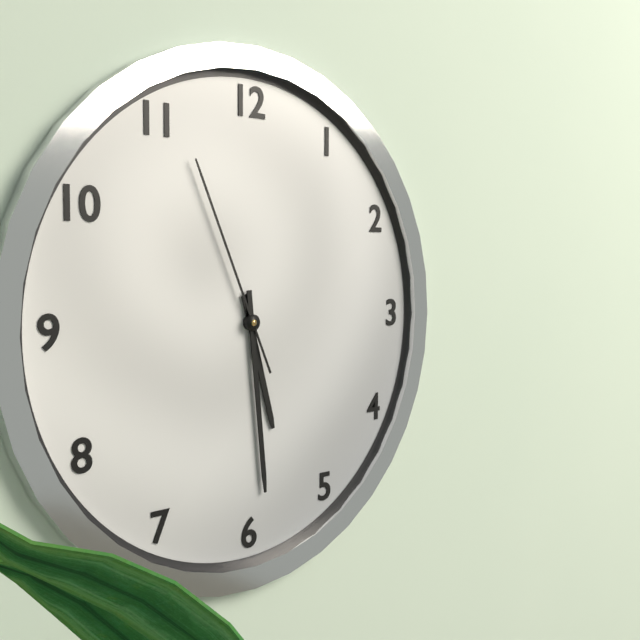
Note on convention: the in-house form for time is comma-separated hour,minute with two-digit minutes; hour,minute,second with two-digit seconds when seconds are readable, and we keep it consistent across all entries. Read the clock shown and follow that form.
5,29,56
